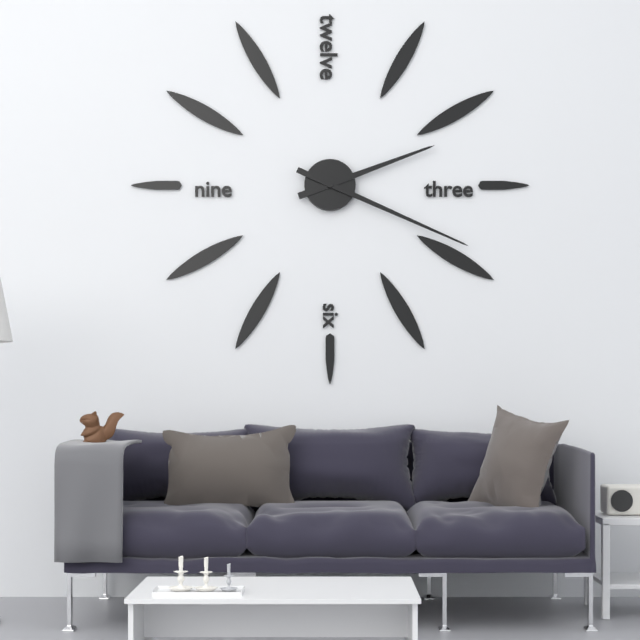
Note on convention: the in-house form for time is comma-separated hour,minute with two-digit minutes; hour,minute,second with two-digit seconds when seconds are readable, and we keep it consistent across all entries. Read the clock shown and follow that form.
2,19
